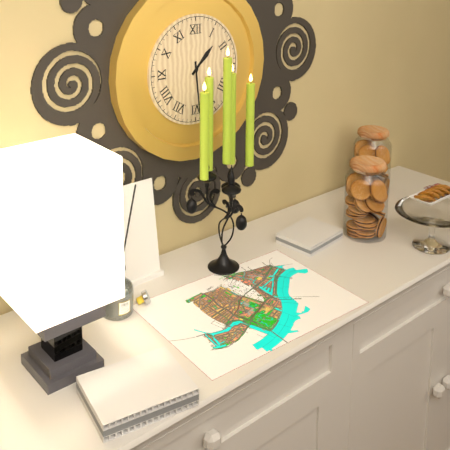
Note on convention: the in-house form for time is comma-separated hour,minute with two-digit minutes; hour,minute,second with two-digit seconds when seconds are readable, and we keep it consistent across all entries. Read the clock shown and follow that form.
1,29
